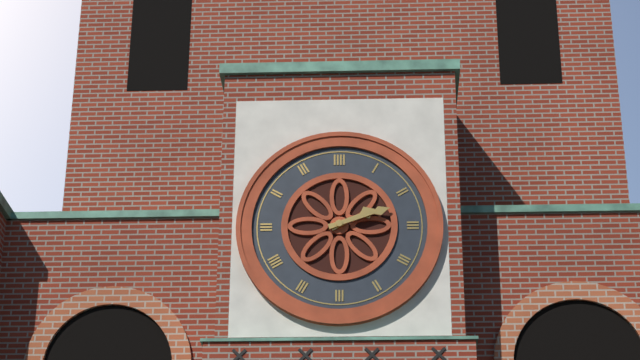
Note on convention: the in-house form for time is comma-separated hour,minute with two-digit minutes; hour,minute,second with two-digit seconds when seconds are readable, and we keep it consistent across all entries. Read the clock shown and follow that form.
2,12
